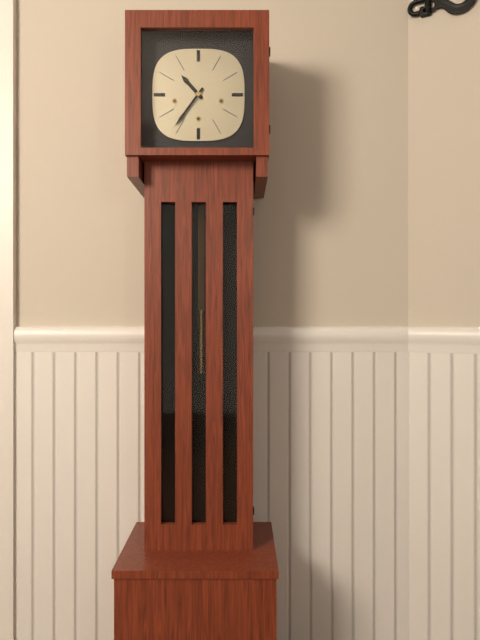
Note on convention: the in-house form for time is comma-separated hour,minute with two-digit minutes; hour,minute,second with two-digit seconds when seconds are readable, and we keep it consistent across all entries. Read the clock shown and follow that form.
10,36
